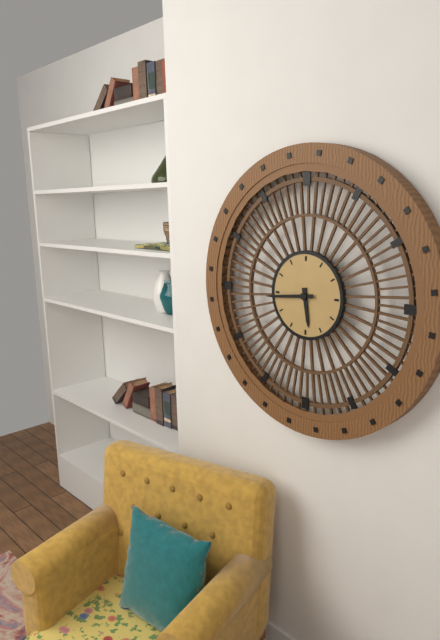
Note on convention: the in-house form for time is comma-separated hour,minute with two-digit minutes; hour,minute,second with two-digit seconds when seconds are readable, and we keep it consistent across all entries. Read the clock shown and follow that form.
5,44
